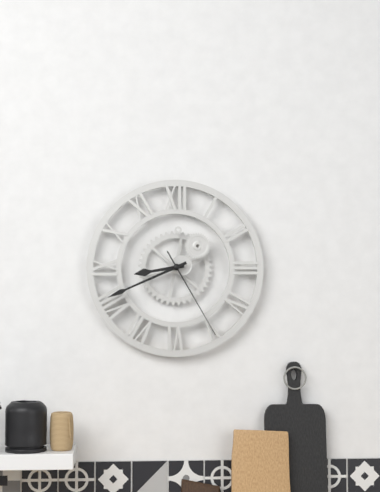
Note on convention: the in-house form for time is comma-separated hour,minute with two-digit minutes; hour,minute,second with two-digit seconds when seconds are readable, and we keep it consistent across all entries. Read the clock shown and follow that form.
8,41,25
